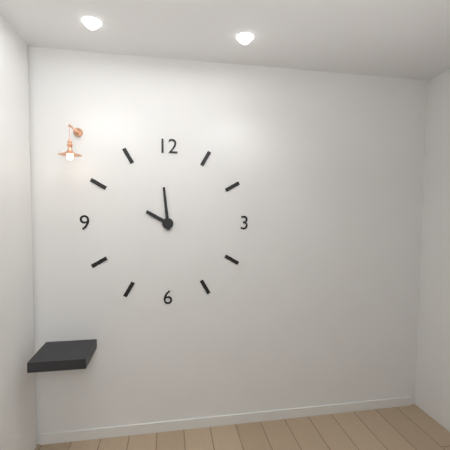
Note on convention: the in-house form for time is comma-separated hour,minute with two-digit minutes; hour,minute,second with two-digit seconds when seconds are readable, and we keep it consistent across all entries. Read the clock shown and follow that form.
9,59
